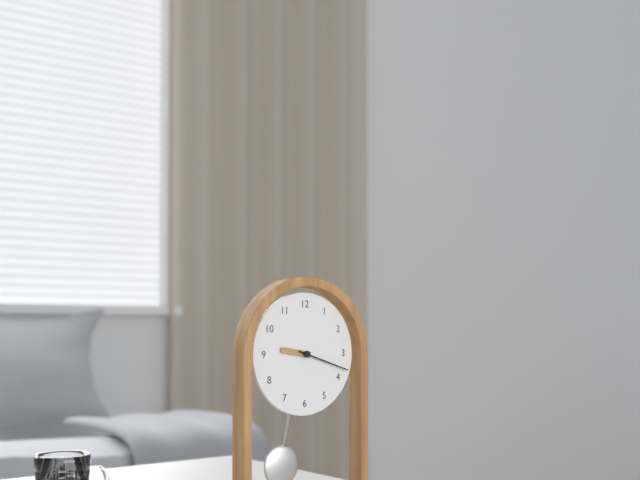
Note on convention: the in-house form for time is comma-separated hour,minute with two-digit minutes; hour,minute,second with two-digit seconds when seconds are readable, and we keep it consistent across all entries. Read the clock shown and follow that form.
9,18
